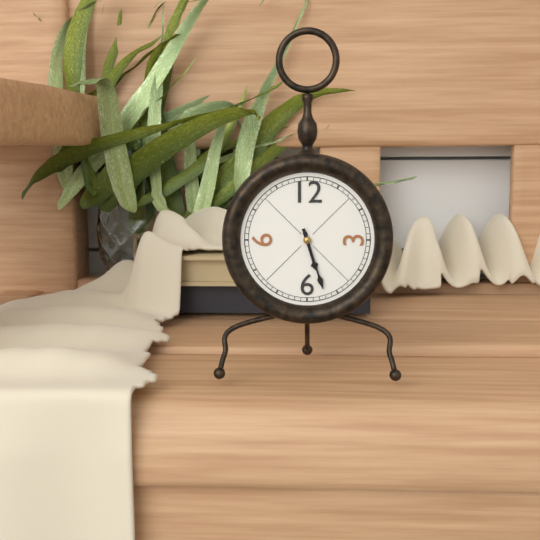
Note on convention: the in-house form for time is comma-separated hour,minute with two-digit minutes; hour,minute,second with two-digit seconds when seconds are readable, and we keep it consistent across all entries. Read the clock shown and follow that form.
5,27
